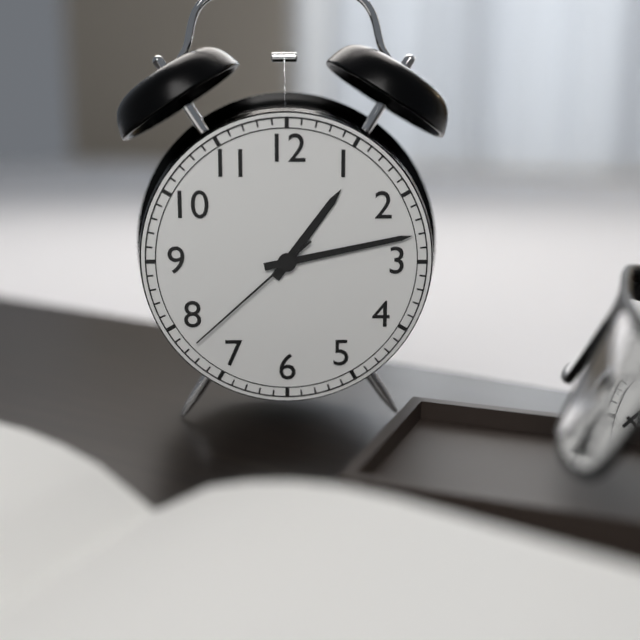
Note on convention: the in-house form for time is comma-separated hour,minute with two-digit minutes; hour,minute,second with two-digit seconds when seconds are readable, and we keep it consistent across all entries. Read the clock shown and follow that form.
1,13,38
